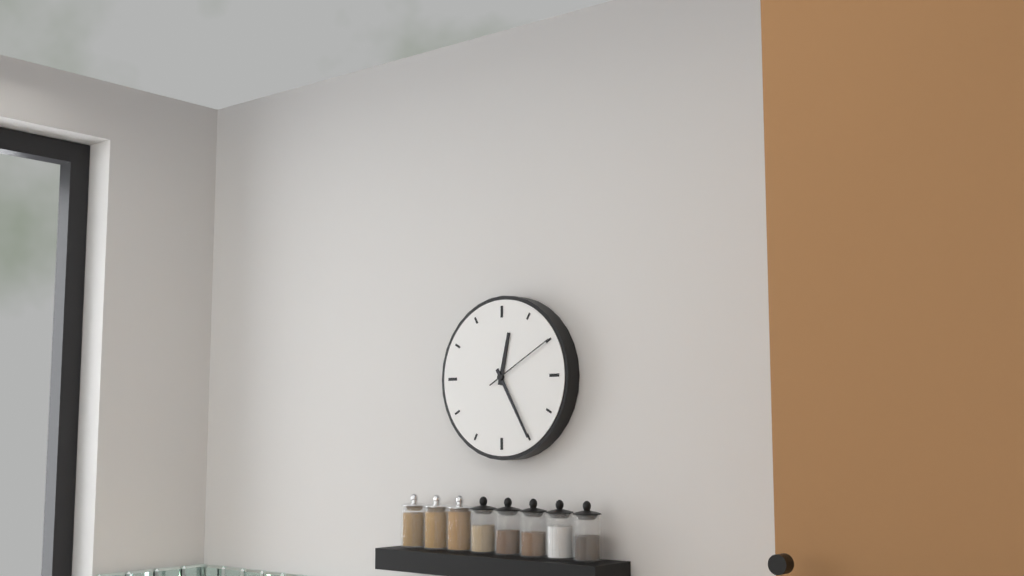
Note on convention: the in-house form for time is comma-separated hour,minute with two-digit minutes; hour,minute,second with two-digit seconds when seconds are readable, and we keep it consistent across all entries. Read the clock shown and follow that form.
12,25,10
